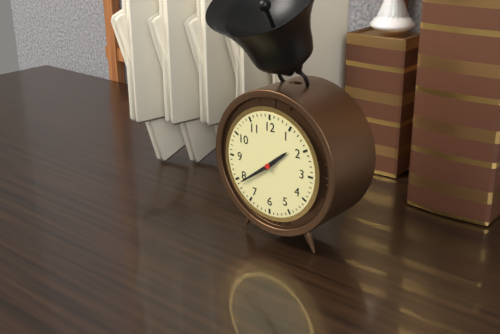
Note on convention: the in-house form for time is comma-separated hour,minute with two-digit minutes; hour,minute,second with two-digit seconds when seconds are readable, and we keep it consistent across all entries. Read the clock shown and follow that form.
1,39
